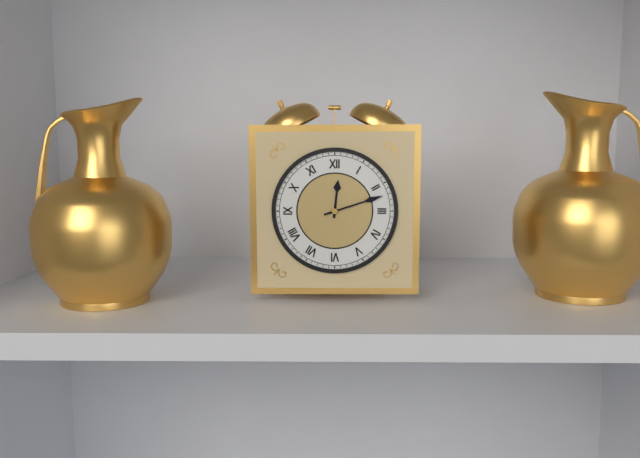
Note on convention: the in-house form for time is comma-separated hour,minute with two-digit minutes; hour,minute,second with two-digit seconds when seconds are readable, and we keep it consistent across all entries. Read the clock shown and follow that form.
12,12
